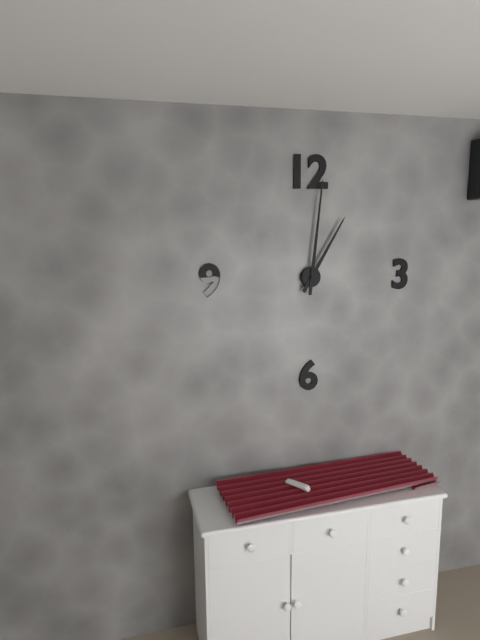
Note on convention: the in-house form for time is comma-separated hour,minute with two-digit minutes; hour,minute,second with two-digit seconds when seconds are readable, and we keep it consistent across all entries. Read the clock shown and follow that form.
1,01
